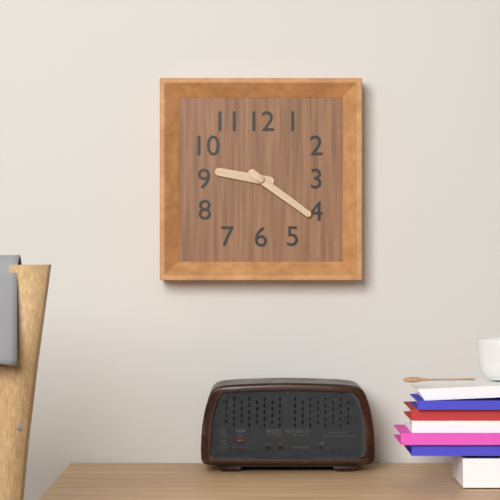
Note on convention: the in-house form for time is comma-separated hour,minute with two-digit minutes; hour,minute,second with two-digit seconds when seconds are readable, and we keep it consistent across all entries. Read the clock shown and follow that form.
9,21
